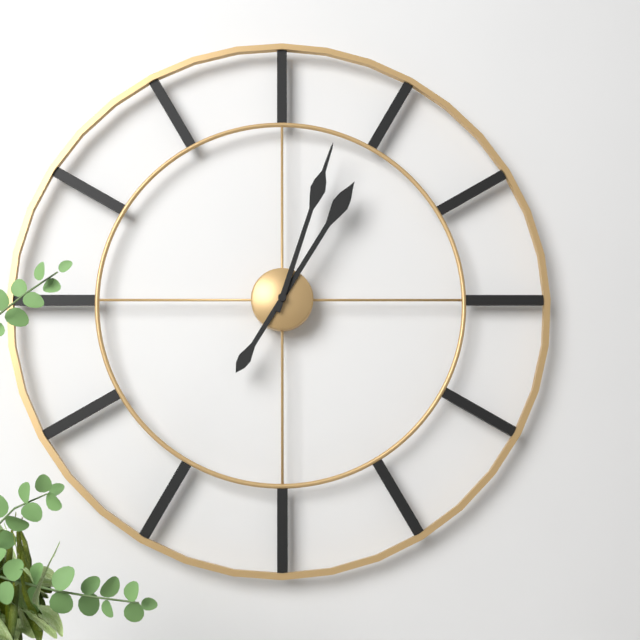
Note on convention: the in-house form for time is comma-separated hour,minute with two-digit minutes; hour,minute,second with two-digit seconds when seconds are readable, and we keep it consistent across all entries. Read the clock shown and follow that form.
1,03
